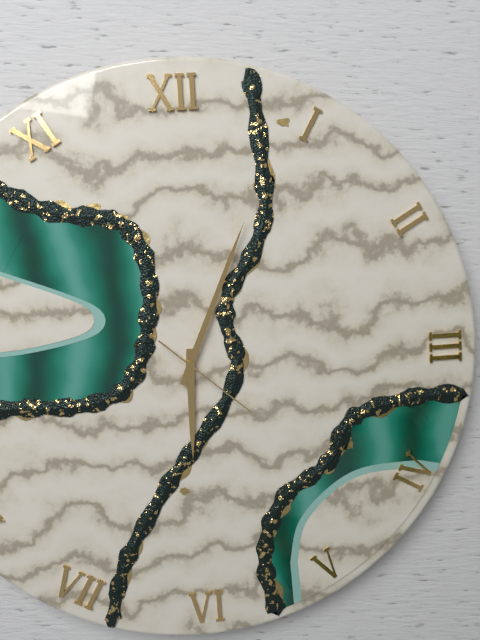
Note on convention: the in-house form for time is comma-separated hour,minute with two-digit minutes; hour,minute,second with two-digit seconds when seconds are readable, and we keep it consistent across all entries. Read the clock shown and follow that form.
6,04,22
